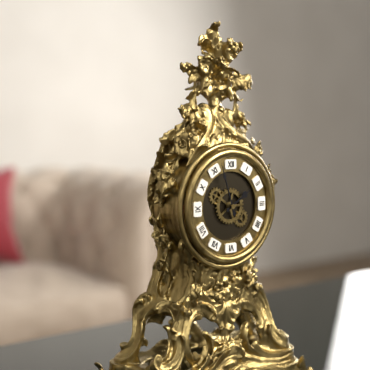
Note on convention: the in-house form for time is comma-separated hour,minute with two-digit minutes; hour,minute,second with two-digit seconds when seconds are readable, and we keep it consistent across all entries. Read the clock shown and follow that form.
1,57
